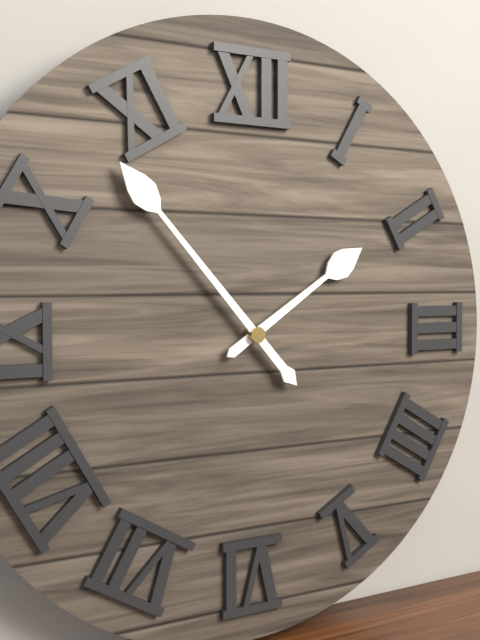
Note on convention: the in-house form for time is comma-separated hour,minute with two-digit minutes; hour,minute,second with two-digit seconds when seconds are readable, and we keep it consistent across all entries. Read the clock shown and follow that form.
1,53
